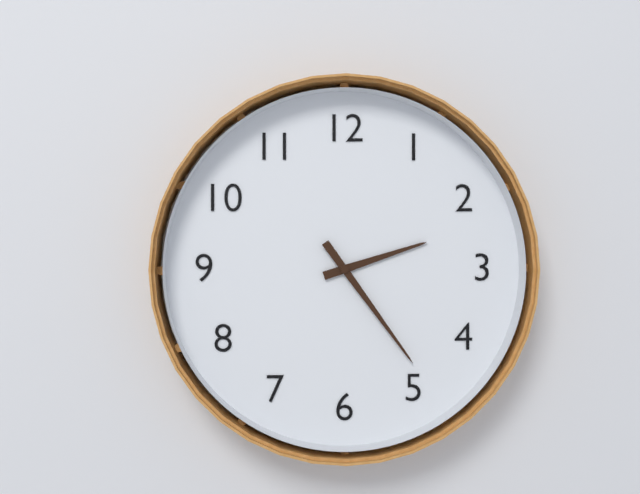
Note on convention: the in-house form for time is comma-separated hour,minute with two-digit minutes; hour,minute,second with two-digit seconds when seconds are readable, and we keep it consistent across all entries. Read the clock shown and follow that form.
2,24
